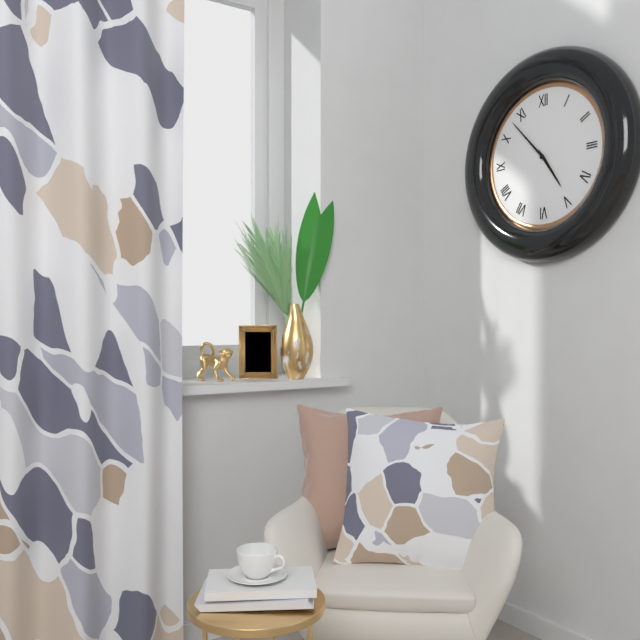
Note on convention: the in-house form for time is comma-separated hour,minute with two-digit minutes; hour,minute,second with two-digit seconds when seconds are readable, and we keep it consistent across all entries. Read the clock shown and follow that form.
4,53
